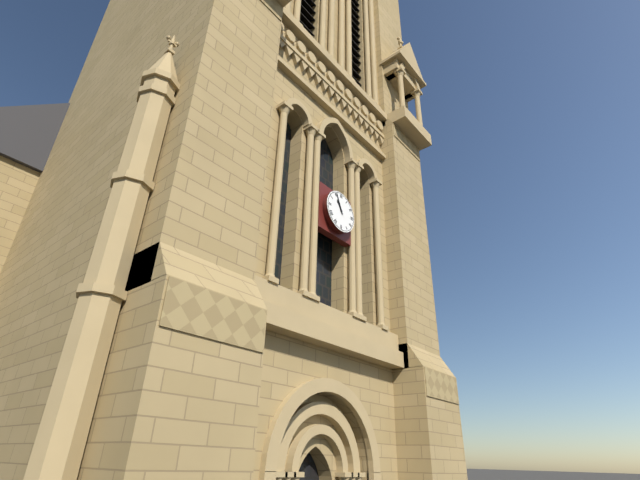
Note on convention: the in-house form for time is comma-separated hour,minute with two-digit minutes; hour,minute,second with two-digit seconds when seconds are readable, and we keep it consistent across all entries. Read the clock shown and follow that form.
10,56
